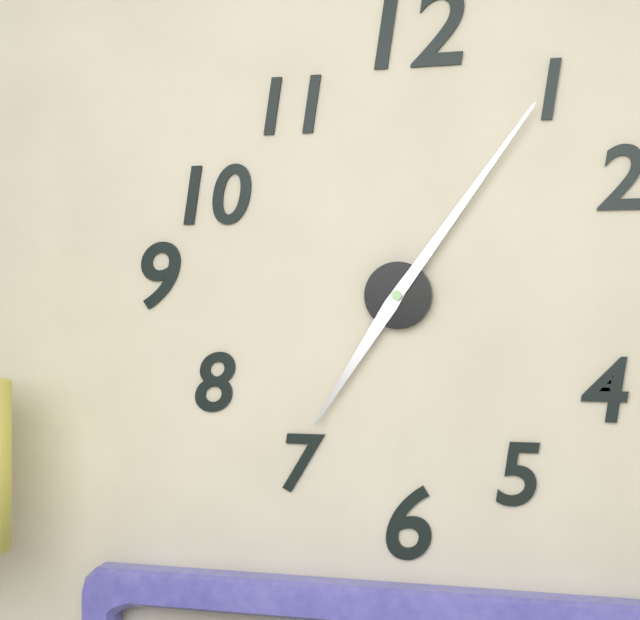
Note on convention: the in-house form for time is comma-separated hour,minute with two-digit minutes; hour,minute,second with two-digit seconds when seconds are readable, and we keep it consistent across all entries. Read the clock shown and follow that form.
7,06
